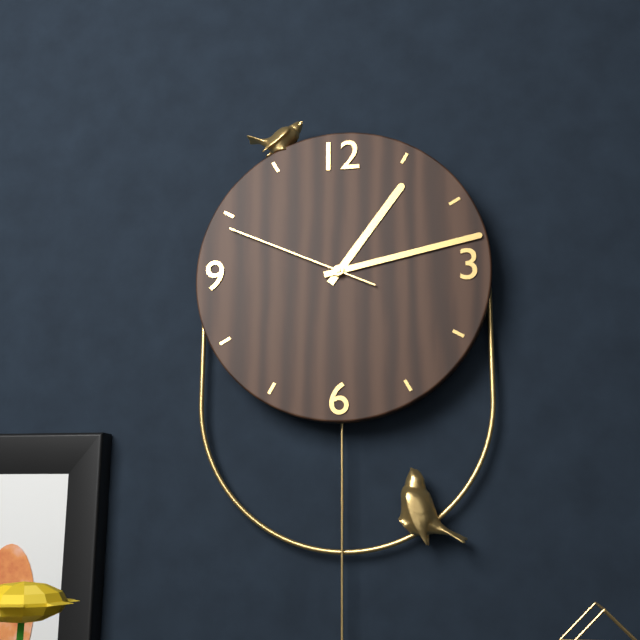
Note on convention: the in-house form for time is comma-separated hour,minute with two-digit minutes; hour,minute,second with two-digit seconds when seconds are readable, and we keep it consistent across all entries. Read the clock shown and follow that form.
1,13,49
